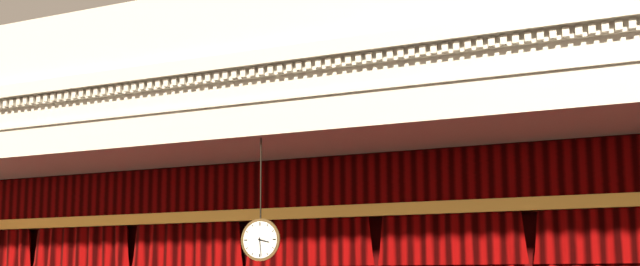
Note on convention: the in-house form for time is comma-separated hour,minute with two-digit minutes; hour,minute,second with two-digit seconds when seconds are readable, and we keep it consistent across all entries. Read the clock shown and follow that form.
3,29
